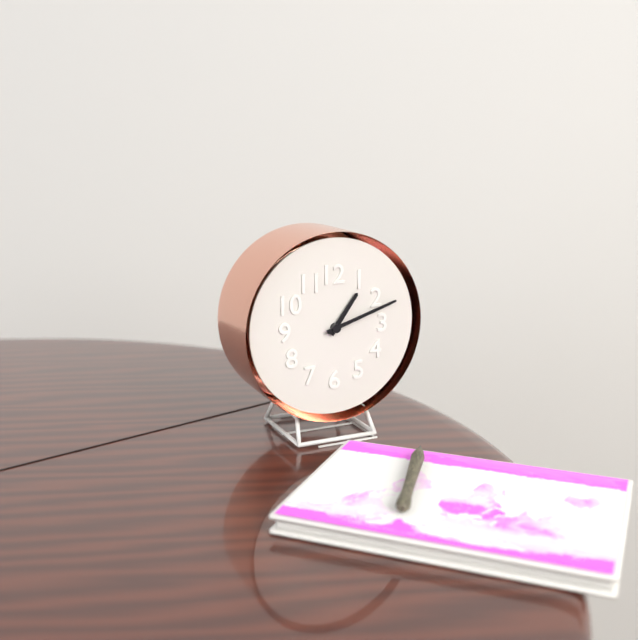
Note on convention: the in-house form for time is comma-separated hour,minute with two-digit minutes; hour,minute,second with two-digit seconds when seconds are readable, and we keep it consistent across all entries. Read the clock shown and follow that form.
1,12
